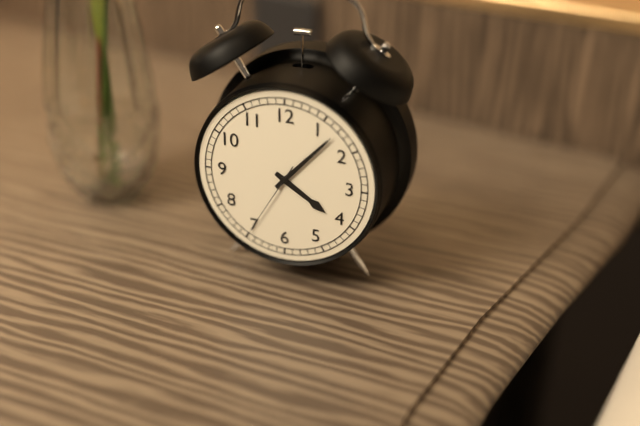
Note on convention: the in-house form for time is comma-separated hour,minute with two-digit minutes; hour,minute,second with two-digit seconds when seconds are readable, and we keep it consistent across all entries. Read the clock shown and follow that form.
4,07,35
